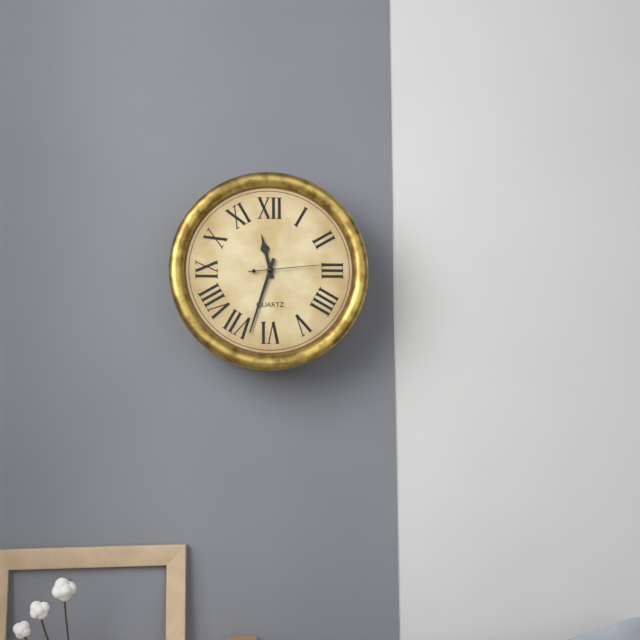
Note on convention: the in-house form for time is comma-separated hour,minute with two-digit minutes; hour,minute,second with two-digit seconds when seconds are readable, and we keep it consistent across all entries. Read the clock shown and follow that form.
11,33,14
